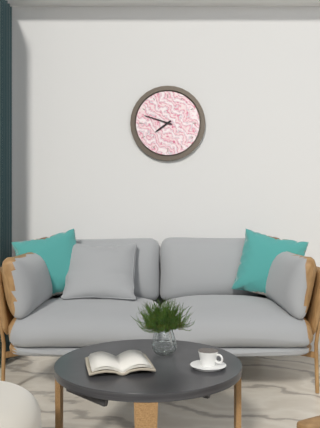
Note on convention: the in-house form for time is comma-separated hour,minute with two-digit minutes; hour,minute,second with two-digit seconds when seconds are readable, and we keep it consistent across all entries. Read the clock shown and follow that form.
7,48
